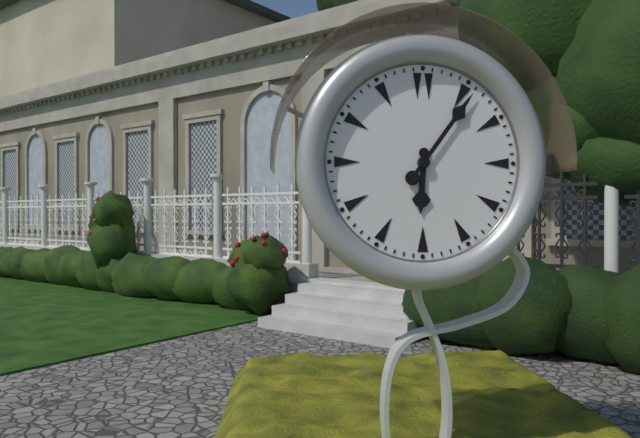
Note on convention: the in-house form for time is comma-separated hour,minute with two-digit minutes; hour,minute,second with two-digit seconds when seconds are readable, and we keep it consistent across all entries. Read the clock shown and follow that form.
6,06
